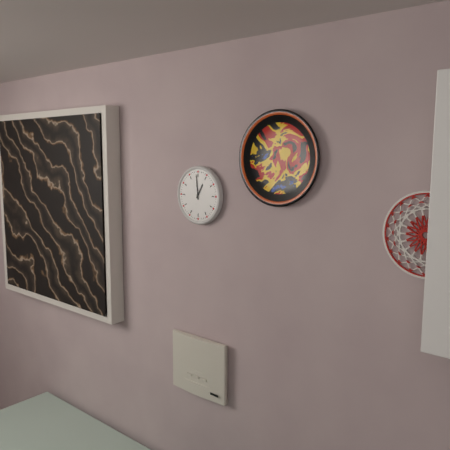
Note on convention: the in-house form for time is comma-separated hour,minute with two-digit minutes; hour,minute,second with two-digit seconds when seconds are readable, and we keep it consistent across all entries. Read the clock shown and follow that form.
12,59
